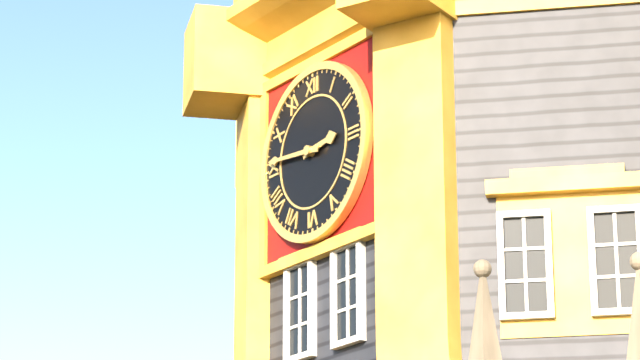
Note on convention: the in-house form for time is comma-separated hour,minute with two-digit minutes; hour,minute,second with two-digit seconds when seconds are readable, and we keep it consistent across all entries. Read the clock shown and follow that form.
2,46
